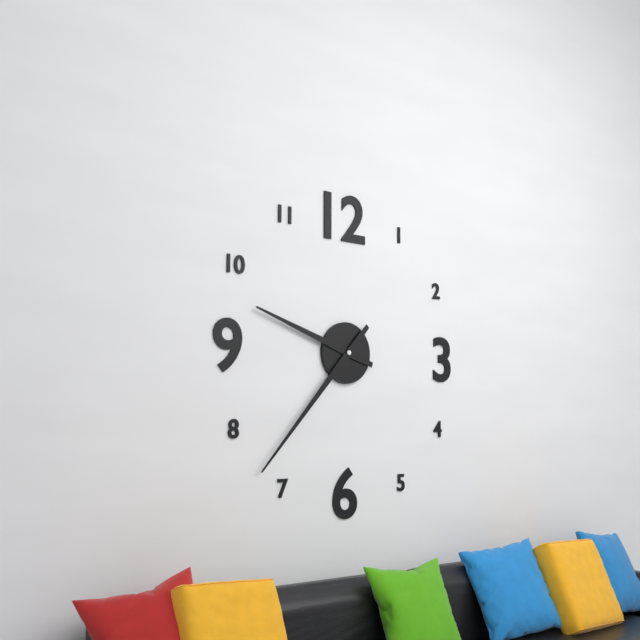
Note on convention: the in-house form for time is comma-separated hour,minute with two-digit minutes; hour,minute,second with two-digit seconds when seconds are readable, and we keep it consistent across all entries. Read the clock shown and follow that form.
9,37
